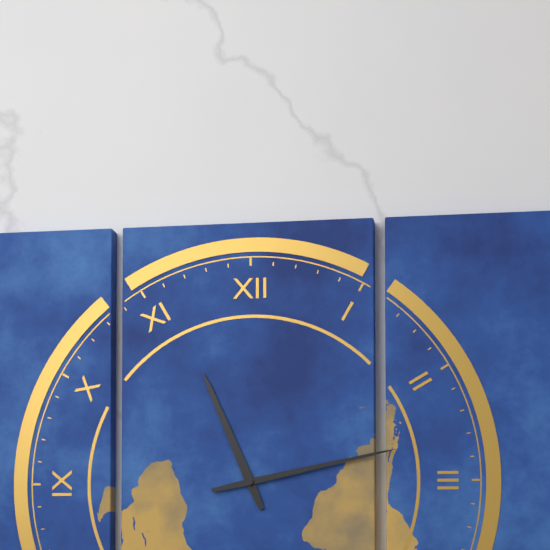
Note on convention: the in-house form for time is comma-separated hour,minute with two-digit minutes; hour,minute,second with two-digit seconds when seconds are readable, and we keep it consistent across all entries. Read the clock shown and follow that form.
11,13
